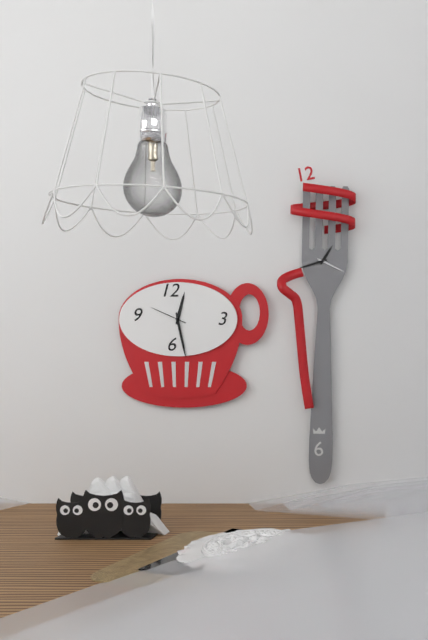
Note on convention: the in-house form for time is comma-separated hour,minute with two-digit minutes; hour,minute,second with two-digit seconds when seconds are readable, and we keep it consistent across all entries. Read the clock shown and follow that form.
12,28
